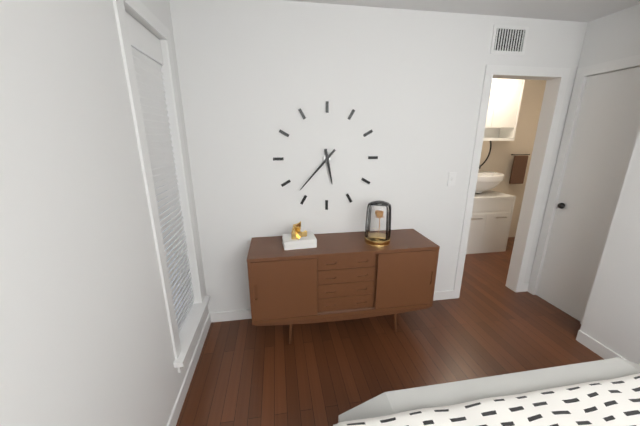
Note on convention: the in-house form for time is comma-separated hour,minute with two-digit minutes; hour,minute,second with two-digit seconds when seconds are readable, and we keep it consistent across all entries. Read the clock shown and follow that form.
5,37
